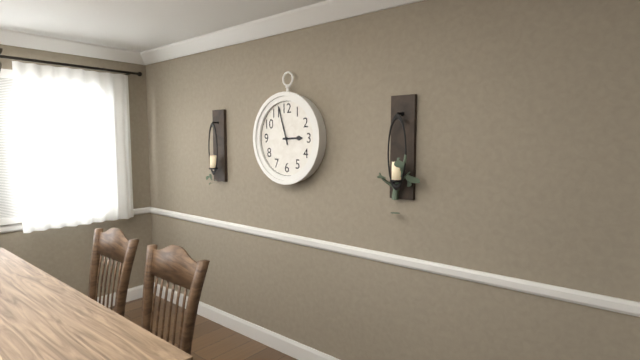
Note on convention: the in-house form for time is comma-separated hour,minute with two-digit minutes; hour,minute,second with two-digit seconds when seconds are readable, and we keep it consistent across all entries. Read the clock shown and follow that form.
2,57
